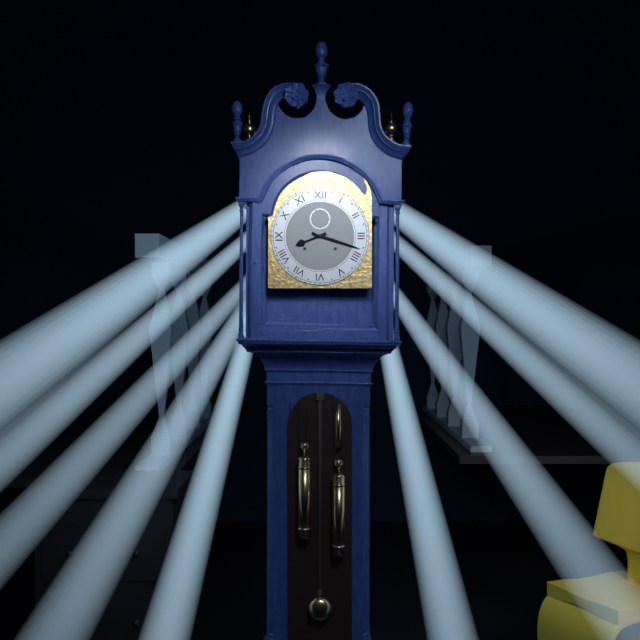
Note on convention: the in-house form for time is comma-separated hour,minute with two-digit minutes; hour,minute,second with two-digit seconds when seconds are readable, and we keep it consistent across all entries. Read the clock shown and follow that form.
8,18
